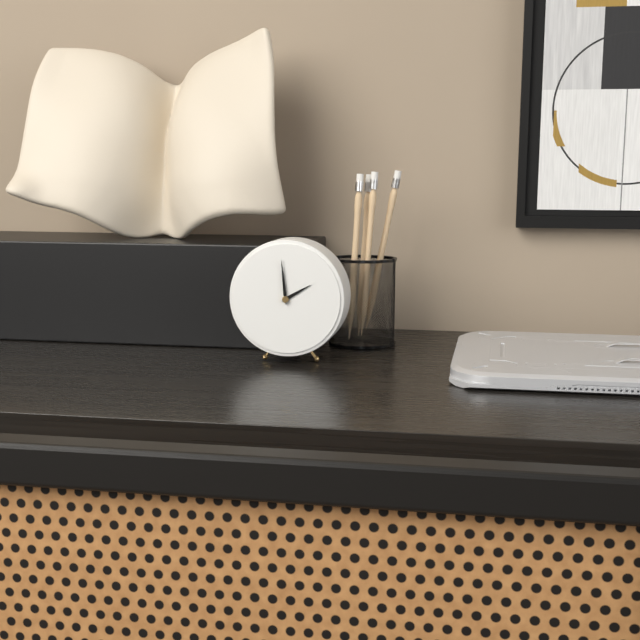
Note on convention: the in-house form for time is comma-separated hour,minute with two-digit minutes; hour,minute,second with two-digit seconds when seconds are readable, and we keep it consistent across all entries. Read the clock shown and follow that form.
1,59
